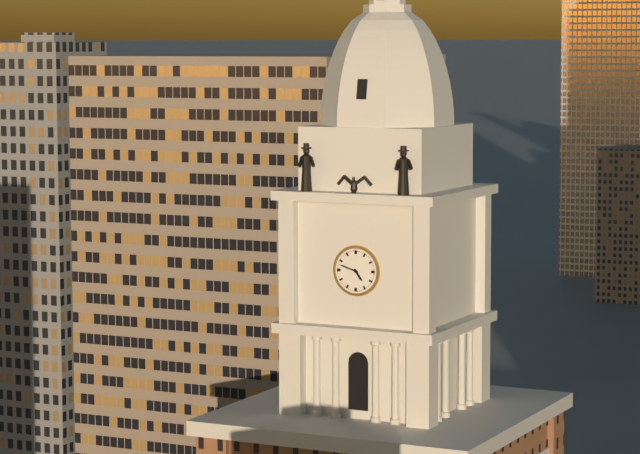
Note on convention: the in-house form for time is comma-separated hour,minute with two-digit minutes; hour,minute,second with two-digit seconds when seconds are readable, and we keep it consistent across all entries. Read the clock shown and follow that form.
4,48
